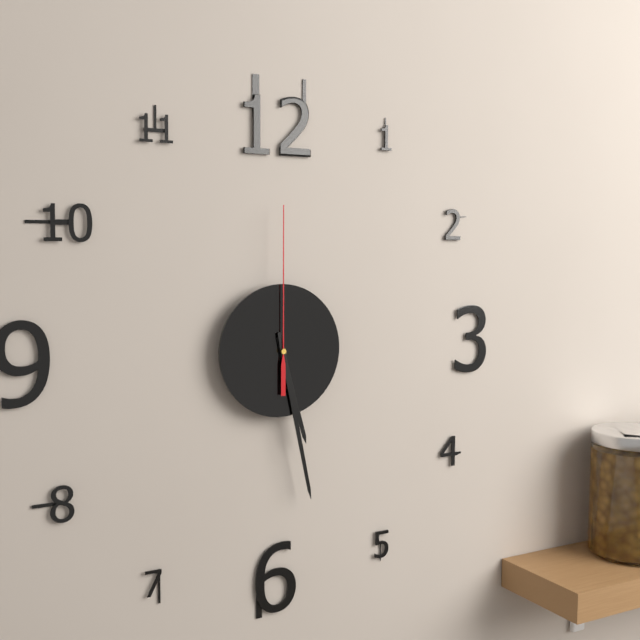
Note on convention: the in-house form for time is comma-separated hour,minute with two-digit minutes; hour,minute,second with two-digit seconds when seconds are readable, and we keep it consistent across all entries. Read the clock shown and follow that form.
5,28,00
